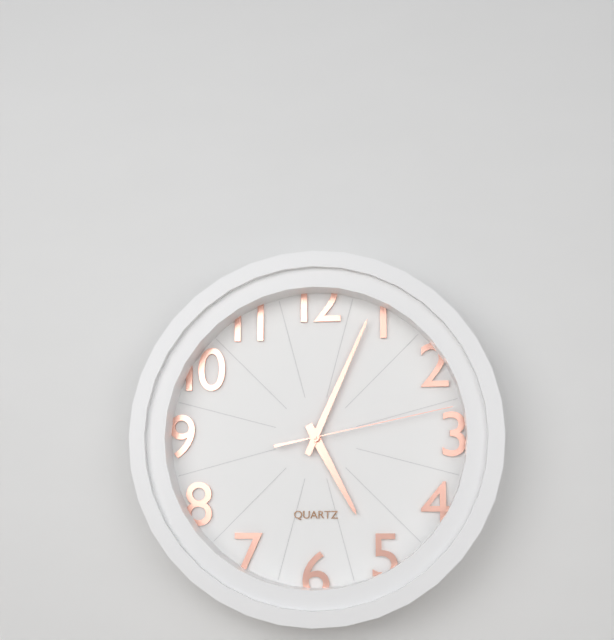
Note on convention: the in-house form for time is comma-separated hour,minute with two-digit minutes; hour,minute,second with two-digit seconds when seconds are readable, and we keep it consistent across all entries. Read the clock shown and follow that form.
5,04,13
